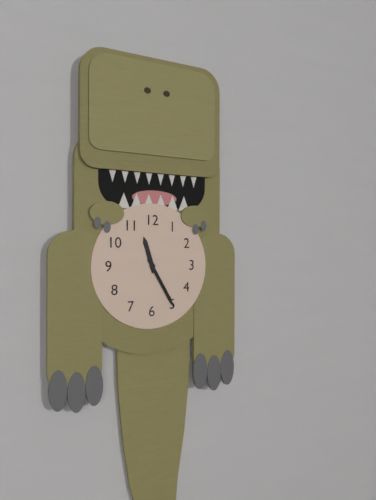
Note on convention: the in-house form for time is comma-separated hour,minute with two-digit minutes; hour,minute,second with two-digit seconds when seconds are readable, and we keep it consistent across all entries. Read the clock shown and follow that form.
11,25
